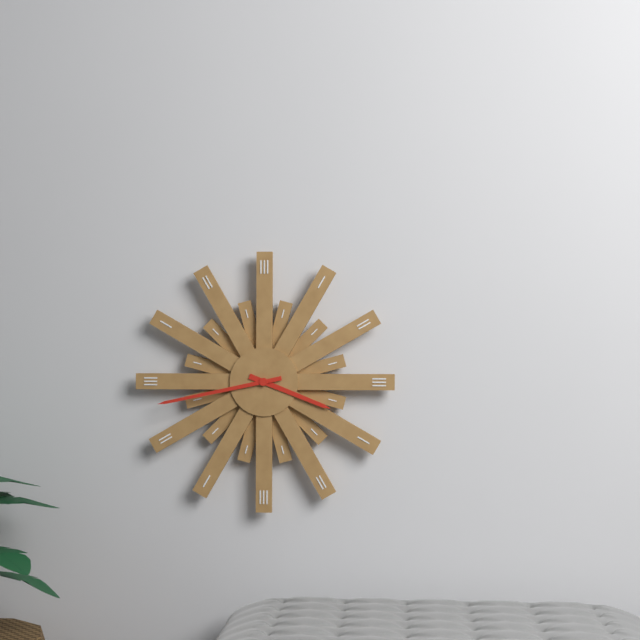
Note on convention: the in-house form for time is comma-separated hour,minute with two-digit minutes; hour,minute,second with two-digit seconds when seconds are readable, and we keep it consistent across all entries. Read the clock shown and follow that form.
3,43
